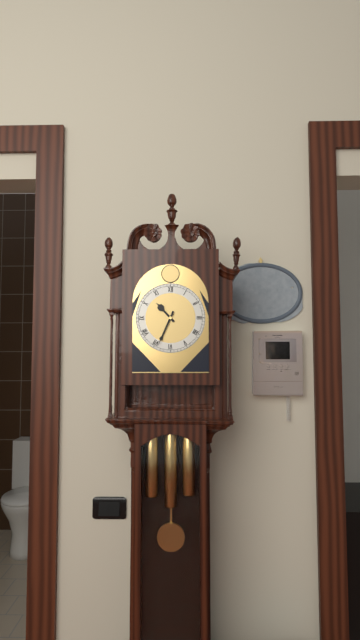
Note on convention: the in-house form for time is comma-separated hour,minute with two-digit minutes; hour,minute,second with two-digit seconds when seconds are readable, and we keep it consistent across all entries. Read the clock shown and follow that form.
10,34
